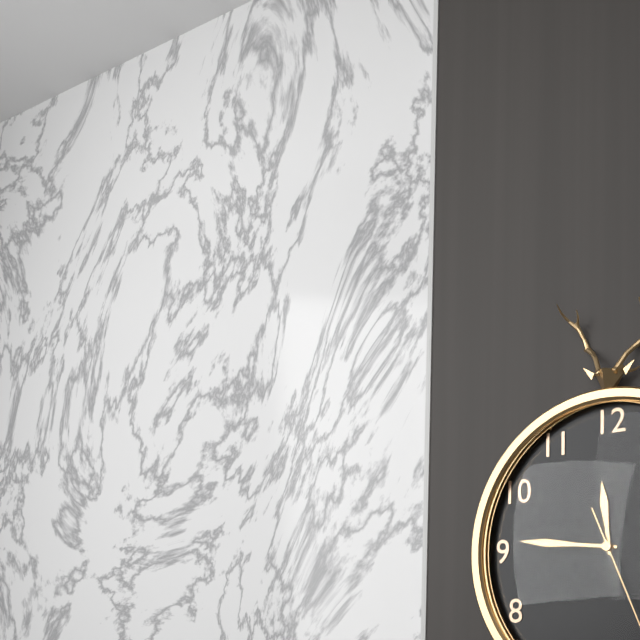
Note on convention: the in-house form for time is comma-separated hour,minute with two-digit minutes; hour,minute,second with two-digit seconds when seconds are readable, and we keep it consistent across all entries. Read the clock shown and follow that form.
11,46
